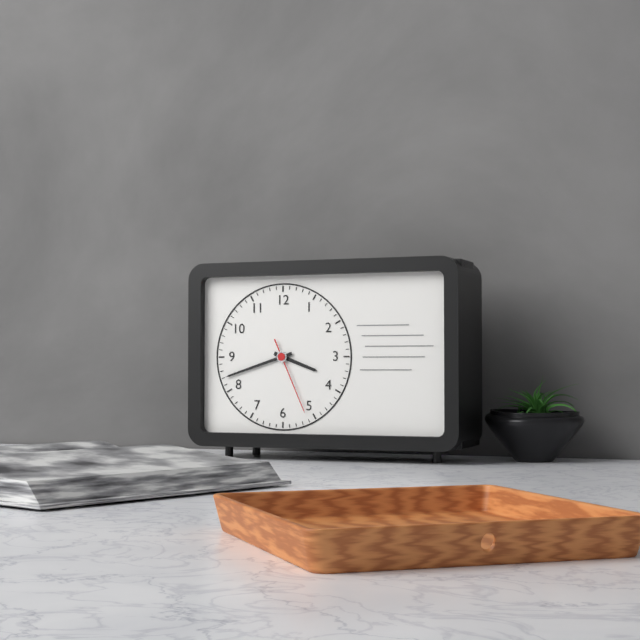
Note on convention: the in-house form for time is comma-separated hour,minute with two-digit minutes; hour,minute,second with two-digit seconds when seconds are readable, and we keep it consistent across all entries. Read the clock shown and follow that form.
3,42,26
